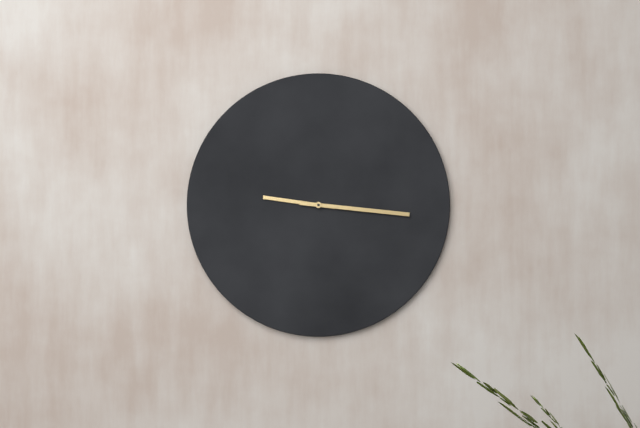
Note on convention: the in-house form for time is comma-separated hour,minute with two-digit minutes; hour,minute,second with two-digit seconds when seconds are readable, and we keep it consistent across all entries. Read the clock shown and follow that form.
9,16
